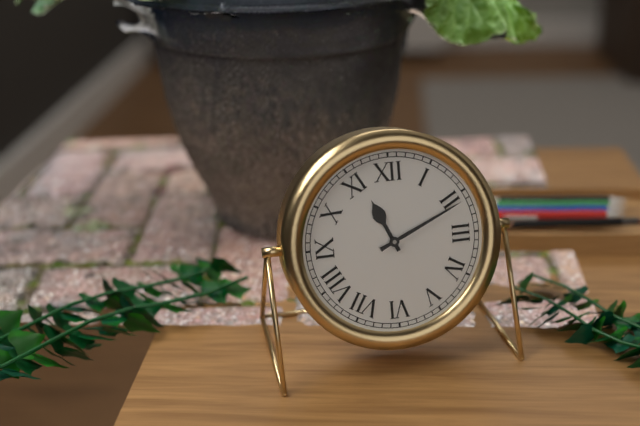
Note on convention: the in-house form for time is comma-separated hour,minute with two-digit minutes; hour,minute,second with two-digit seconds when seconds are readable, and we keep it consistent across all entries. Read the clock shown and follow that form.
11,11
